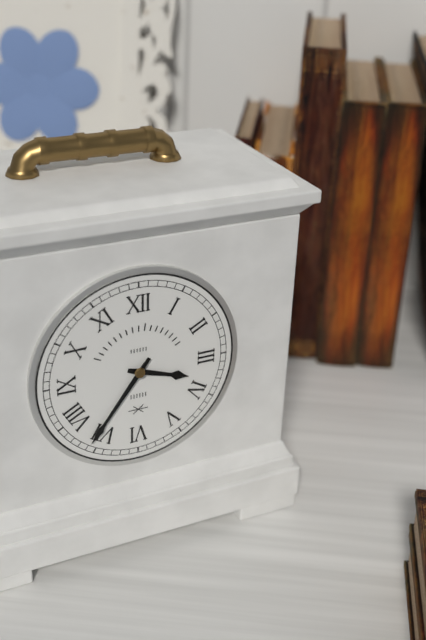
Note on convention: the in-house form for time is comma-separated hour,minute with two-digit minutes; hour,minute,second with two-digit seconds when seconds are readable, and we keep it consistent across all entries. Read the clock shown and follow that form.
3,36
